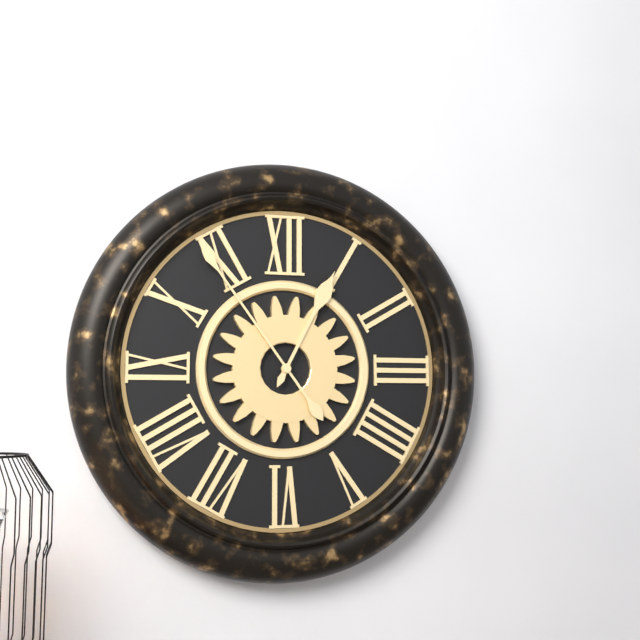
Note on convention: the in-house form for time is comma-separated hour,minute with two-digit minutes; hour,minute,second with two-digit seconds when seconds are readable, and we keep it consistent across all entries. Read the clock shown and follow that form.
12,54
